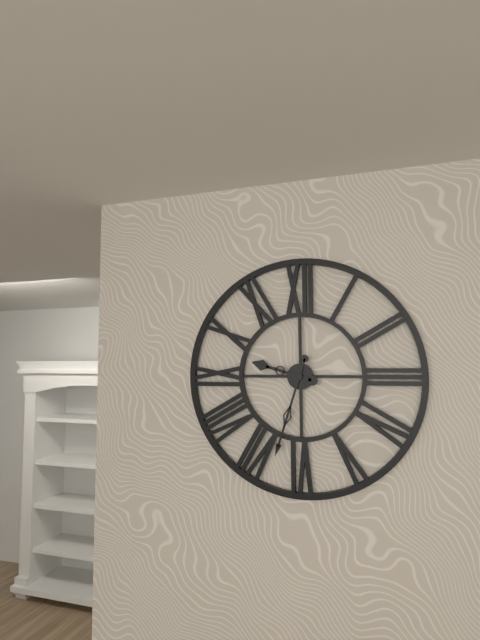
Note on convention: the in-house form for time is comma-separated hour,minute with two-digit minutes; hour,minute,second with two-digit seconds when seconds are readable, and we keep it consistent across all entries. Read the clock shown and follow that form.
9,33
